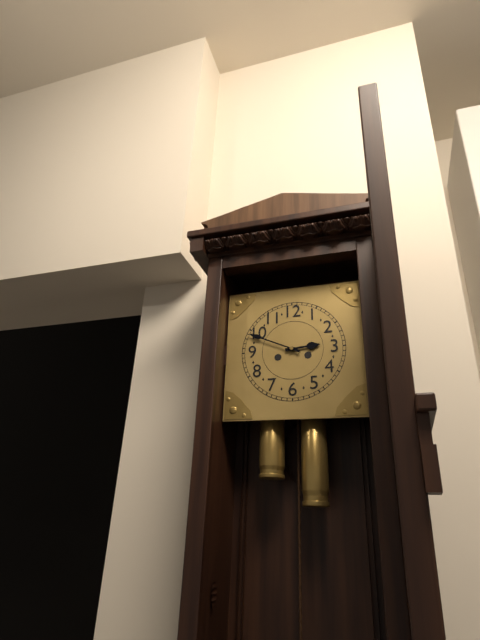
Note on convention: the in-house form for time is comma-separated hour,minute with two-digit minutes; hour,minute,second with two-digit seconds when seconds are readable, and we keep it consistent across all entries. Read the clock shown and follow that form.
2,49
